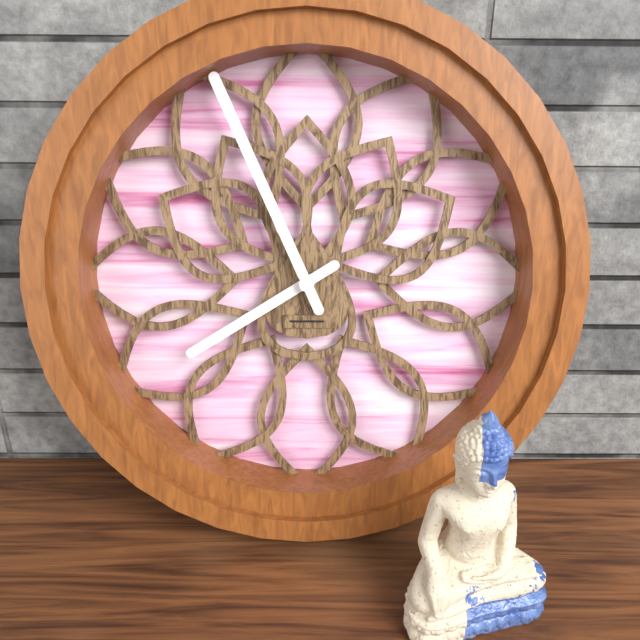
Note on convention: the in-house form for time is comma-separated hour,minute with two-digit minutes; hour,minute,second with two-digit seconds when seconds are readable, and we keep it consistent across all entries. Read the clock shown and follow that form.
7,56
